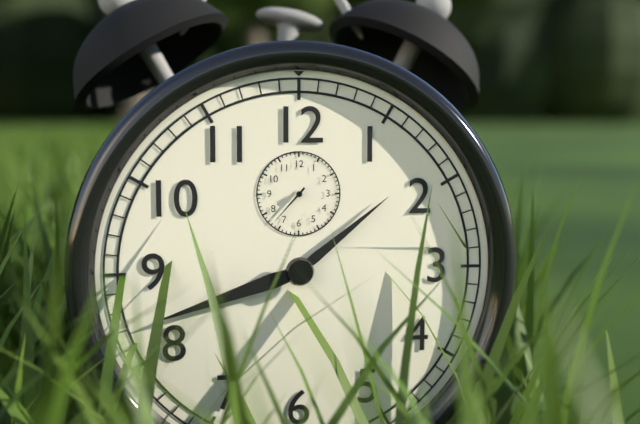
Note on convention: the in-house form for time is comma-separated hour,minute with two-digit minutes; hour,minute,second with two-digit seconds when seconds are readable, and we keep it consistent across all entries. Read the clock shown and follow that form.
1,42
